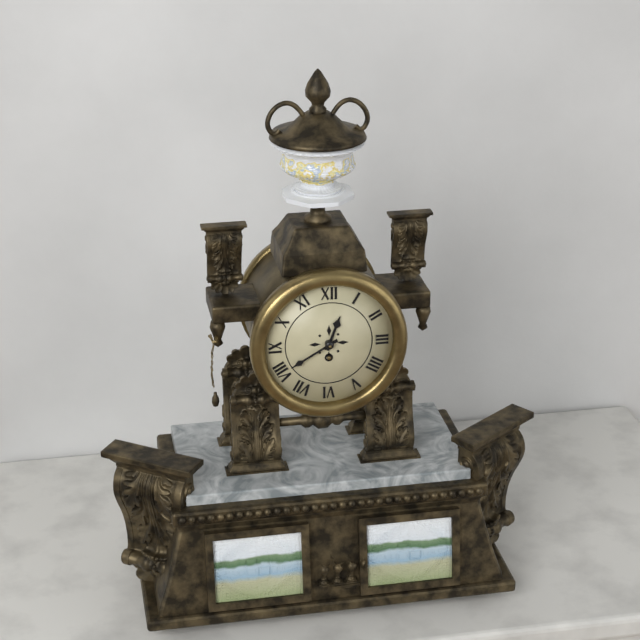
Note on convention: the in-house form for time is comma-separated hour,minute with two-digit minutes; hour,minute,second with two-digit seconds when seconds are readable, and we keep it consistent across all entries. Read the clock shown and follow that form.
12,40
